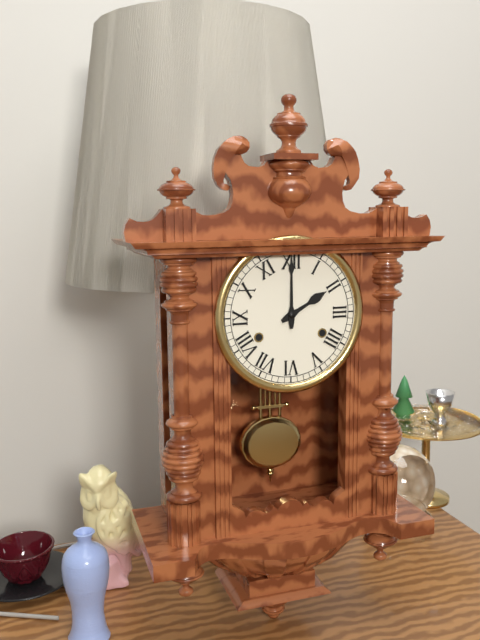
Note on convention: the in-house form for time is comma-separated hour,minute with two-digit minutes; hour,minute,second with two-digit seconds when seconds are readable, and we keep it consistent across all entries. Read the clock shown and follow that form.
2,00
